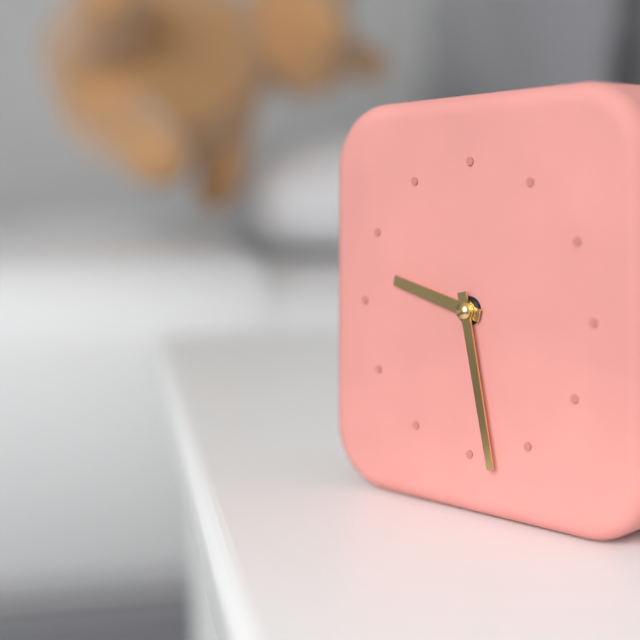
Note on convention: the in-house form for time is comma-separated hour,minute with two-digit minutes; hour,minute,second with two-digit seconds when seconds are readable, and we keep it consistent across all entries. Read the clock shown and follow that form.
9,28
